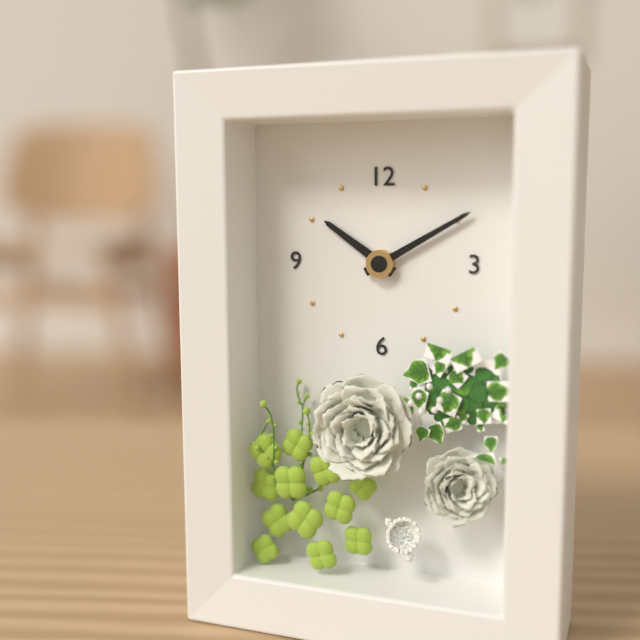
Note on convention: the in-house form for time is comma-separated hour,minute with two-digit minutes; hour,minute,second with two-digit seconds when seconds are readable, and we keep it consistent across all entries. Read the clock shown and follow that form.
10,10
